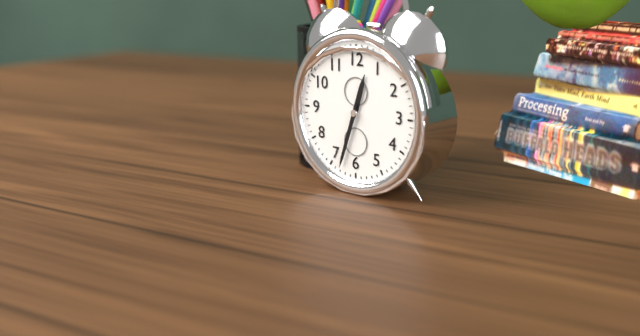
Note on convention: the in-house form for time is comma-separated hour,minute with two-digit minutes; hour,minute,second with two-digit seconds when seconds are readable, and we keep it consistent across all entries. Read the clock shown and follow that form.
12,33
